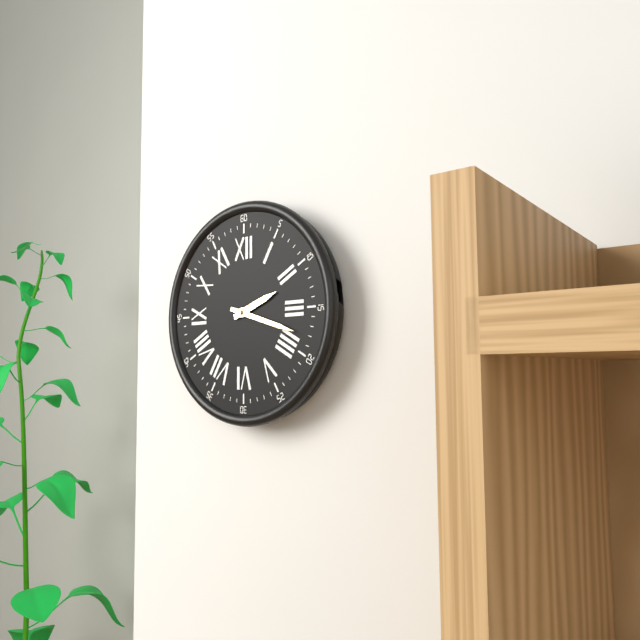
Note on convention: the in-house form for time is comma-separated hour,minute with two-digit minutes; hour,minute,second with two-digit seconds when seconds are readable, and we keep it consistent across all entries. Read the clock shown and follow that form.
2,18
